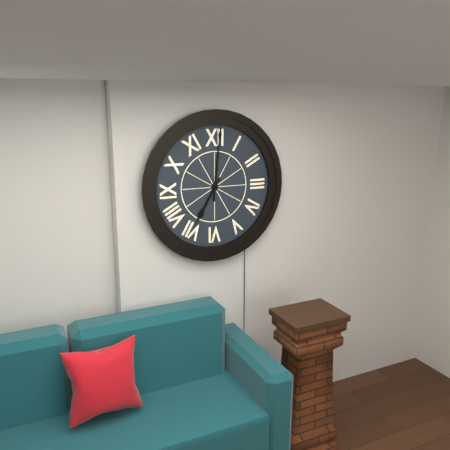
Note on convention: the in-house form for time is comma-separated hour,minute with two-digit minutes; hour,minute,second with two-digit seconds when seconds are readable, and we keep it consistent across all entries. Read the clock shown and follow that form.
7,01
